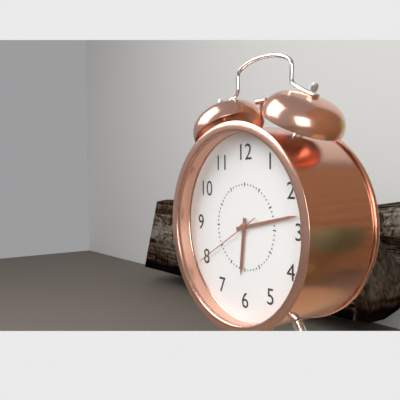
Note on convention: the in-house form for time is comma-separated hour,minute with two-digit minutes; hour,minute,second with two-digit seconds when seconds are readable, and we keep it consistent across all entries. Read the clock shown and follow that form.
6,13,40
